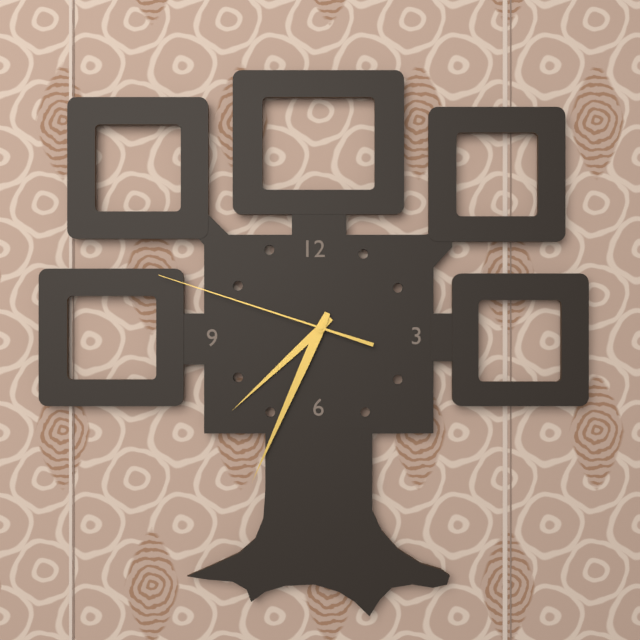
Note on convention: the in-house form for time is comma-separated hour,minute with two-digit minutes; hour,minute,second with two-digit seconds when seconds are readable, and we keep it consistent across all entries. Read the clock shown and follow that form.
7,34,48
